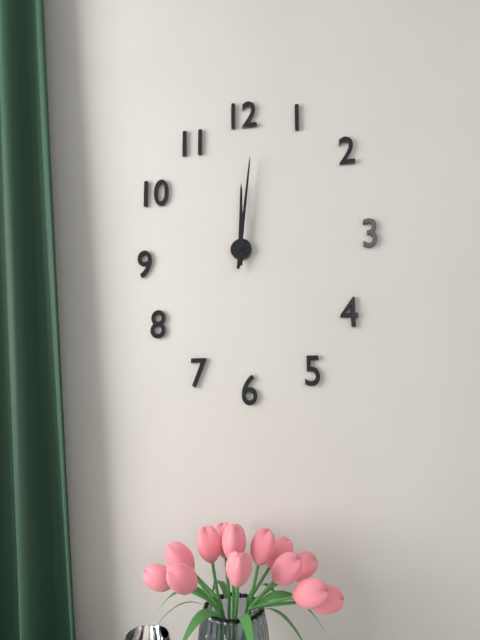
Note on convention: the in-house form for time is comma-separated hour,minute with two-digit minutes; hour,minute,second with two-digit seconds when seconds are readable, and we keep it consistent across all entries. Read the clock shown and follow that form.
12,01
